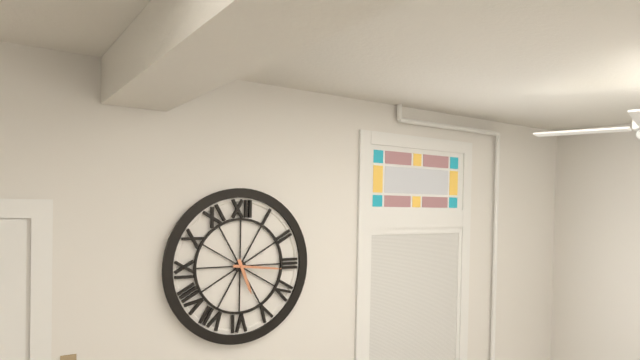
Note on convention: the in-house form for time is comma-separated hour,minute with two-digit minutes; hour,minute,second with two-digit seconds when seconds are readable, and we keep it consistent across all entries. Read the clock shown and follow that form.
5,16
